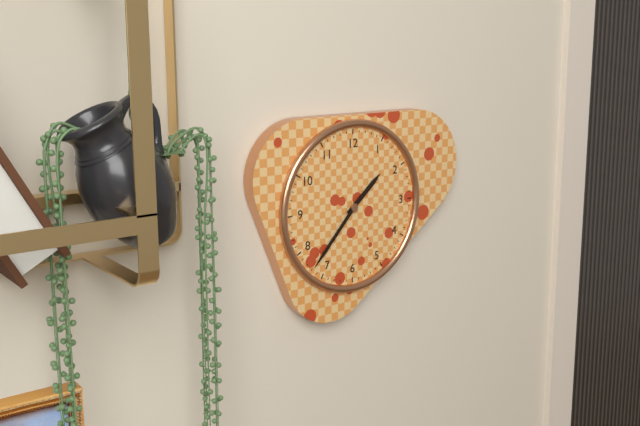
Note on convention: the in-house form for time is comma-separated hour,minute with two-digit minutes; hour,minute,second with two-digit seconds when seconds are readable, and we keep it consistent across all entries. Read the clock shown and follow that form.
1,37
